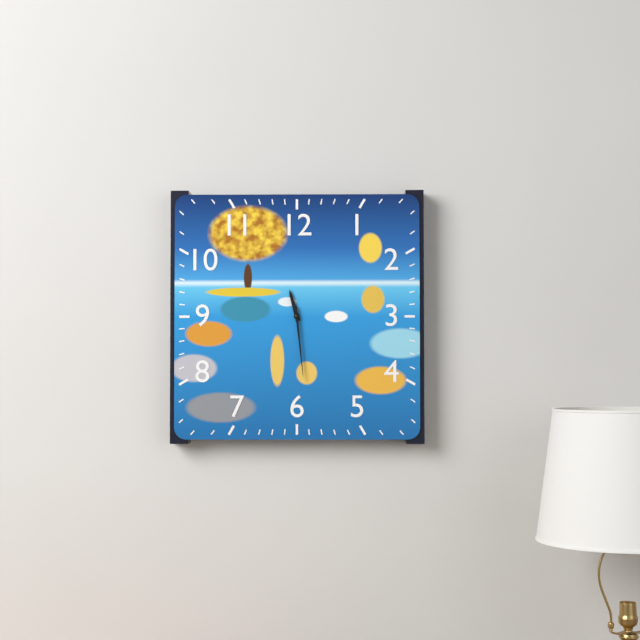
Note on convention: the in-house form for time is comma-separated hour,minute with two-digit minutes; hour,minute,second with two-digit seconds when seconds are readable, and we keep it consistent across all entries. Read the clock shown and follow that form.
11,29
